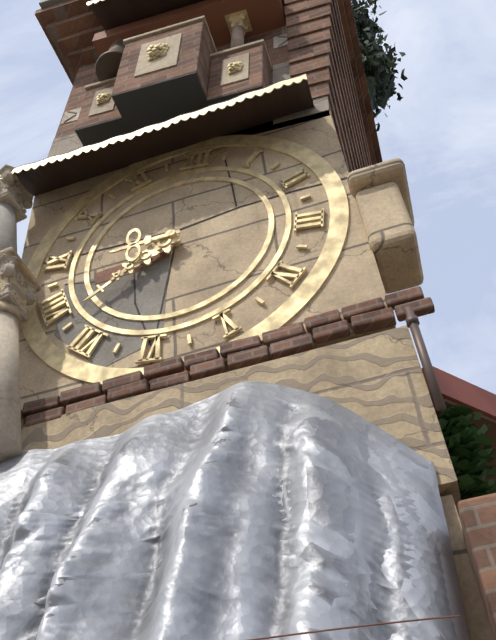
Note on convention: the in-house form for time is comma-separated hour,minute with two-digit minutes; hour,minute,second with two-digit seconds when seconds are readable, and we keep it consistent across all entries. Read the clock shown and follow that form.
8,38
